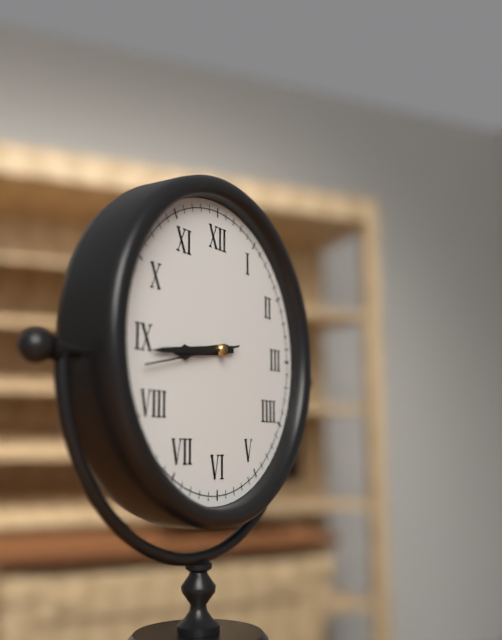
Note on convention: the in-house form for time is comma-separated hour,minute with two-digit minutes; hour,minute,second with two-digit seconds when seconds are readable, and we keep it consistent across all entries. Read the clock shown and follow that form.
8,44,43
